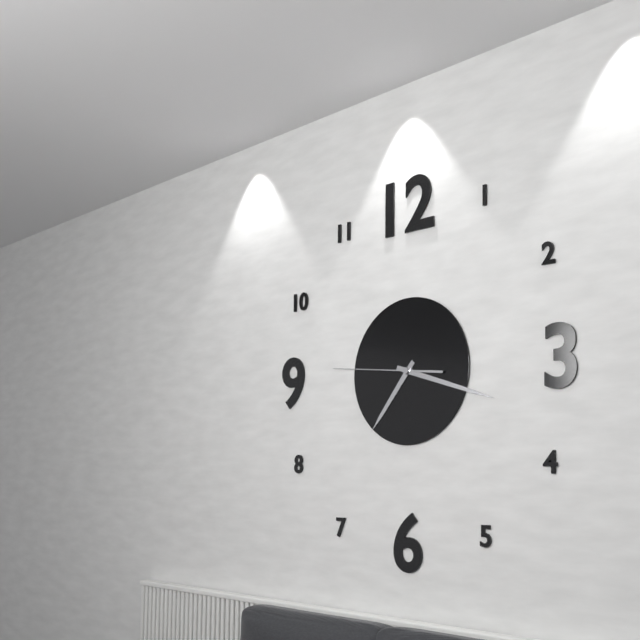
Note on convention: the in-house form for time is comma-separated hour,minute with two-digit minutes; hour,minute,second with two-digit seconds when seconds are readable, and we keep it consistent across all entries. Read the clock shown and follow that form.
7,18,46
